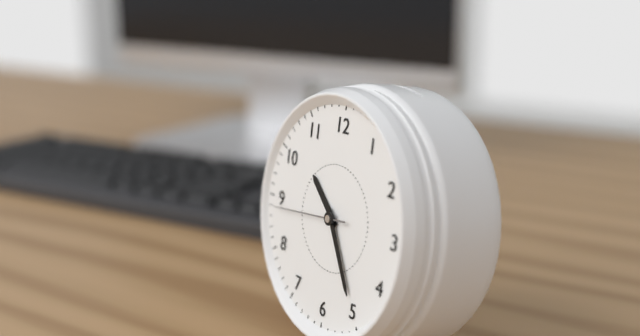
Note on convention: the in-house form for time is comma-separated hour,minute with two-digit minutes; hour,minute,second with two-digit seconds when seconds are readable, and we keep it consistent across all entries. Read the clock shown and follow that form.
10,25,44
